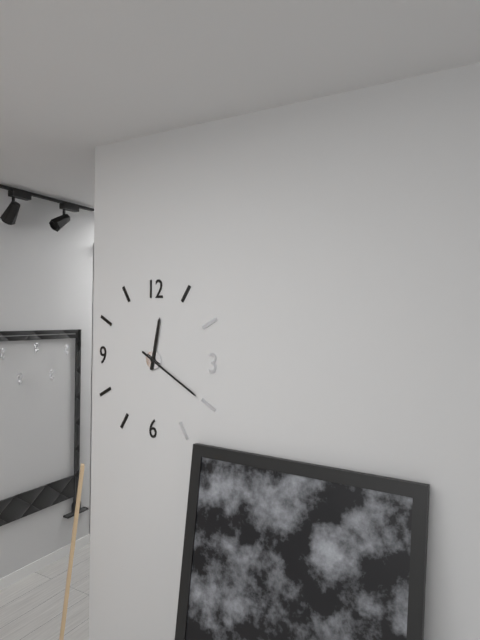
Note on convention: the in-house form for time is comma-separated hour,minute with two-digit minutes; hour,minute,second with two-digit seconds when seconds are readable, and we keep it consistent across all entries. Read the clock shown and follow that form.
12,20
